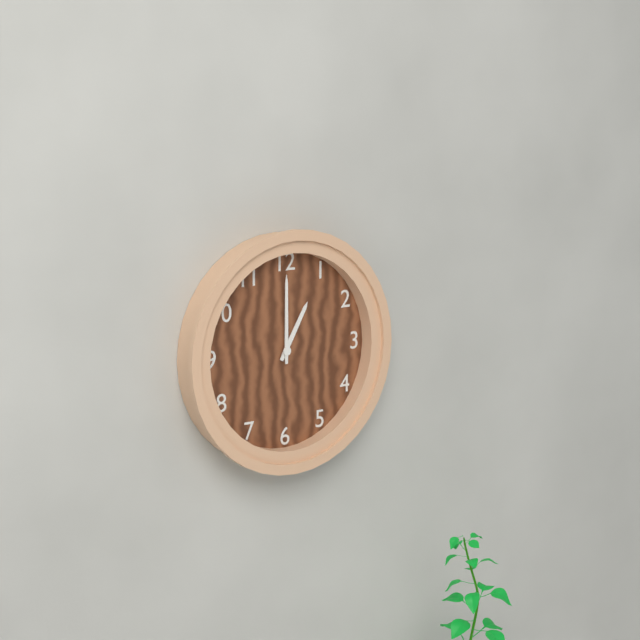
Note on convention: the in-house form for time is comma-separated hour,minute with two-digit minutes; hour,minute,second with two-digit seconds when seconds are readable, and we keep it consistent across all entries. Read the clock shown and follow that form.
1,00
